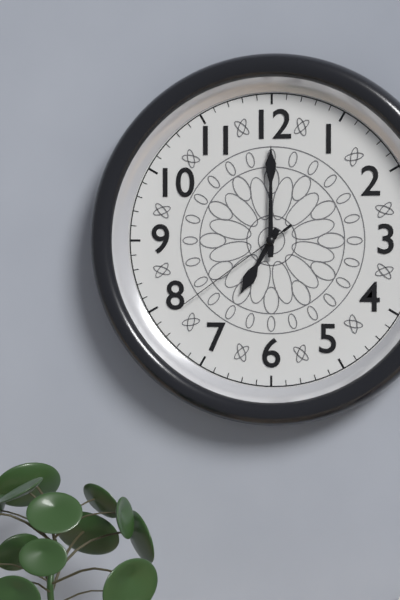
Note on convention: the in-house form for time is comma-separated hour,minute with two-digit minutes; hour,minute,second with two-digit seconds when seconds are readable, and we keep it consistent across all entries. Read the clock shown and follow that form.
7,00,39
